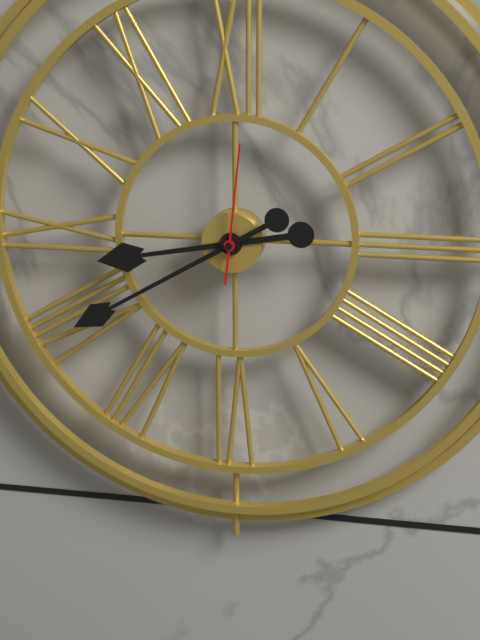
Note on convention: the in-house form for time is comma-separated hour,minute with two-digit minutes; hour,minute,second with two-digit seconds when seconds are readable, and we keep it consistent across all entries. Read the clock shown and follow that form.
8,40,01
